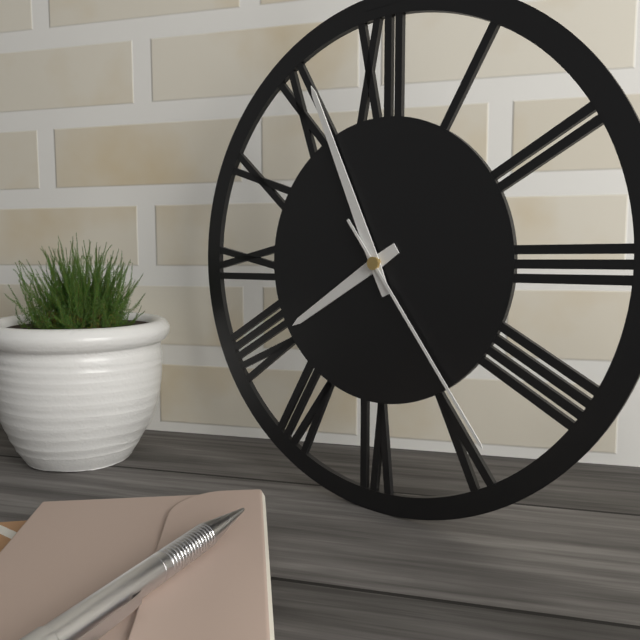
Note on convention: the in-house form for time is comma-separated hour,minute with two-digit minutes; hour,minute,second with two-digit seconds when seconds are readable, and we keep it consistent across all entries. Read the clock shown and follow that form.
7,56,24
